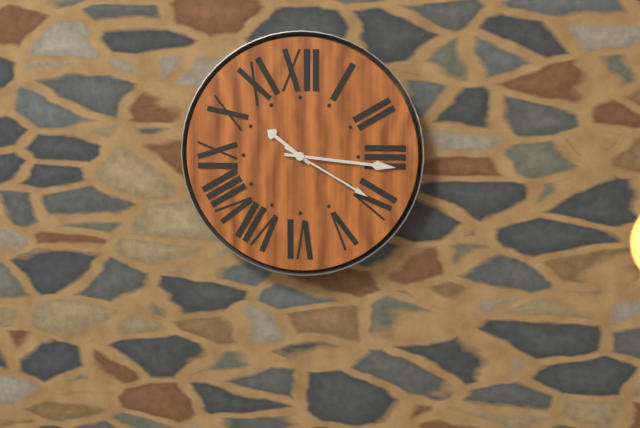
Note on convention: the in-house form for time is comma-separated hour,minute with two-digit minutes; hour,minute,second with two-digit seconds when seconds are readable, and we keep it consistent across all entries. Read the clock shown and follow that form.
10,16,20
